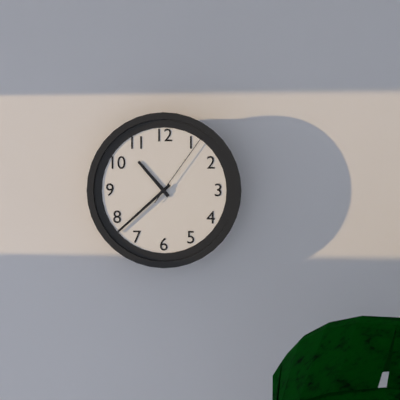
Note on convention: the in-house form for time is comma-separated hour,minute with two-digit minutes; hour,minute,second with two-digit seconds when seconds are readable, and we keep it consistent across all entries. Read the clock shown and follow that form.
10,38,06
